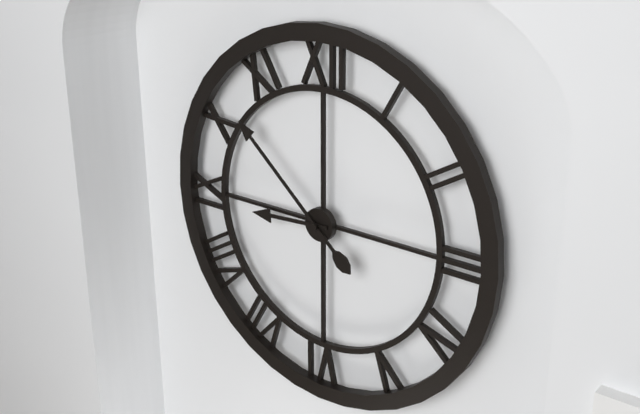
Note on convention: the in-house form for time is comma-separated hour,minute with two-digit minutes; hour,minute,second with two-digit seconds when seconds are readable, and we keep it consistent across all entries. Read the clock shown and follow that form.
8,52
